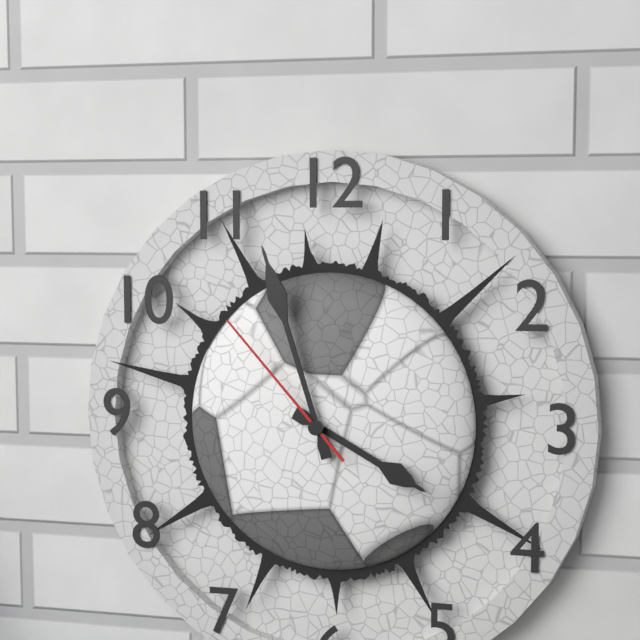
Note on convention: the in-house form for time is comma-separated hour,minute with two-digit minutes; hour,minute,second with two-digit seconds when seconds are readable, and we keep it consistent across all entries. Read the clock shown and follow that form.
3,57,53
